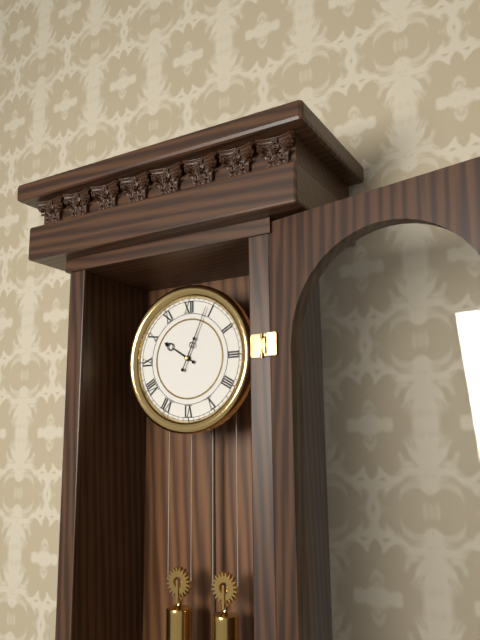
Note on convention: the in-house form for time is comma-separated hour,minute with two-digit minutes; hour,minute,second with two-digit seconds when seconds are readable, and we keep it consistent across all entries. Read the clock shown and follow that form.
10,04
